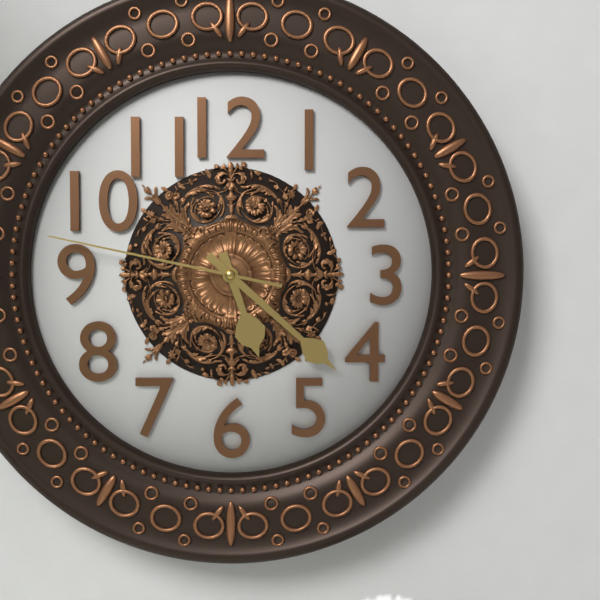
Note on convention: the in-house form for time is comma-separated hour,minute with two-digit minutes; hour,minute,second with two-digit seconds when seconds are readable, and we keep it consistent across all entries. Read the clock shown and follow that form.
5,22,47
